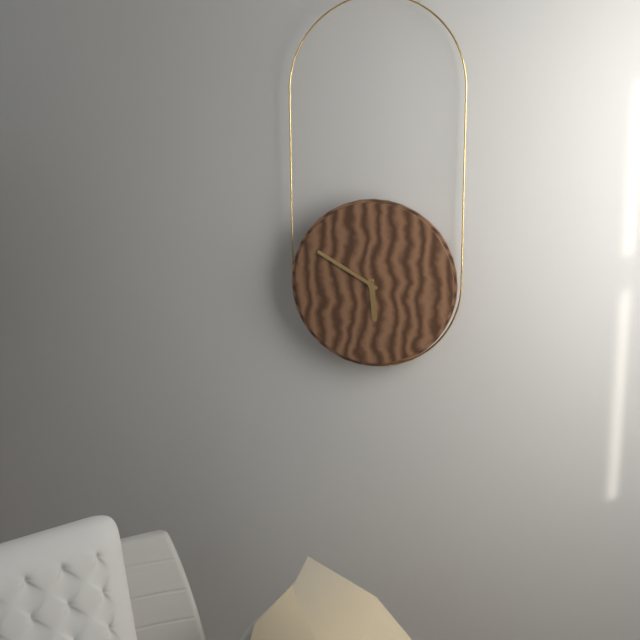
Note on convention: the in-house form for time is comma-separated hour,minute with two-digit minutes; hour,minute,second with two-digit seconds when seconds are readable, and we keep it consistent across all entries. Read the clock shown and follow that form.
5,50
